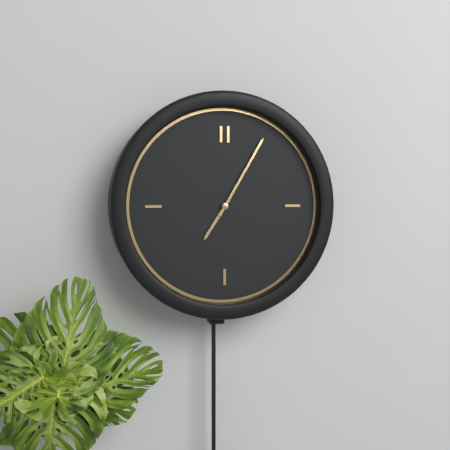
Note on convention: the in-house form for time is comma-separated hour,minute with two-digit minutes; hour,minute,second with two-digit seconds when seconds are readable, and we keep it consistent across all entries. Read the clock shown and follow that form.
7,05
